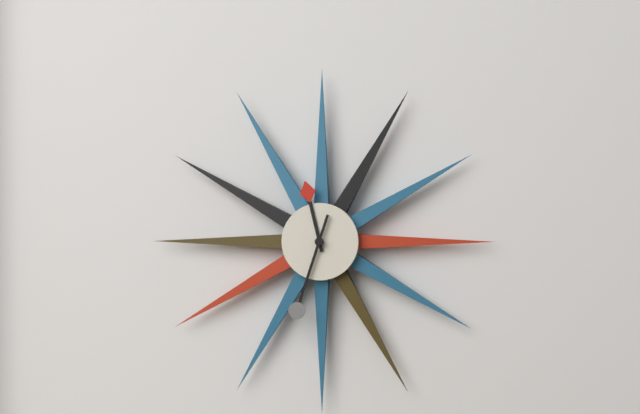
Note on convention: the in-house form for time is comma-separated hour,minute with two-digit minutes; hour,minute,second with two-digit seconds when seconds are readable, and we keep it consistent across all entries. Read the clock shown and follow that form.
11,33
